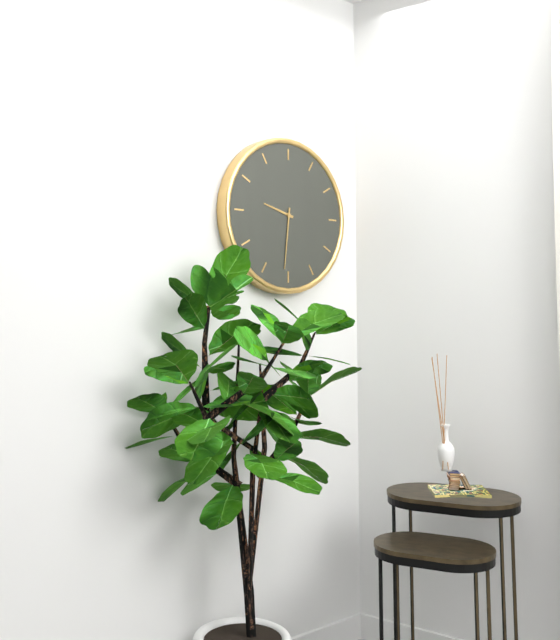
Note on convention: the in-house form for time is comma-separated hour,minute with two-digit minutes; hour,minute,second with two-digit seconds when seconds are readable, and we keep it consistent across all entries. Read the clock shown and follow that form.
9,31
